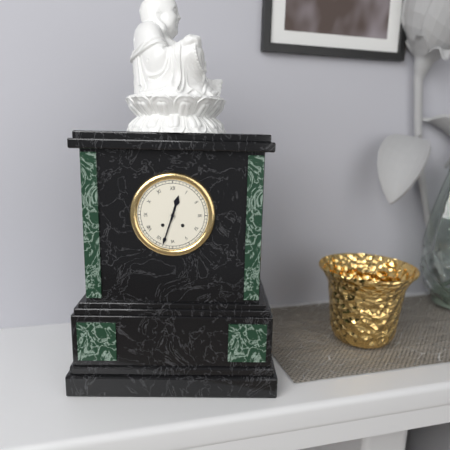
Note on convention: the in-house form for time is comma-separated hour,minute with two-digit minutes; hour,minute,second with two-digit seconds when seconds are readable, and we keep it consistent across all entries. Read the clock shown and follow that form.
12,33
